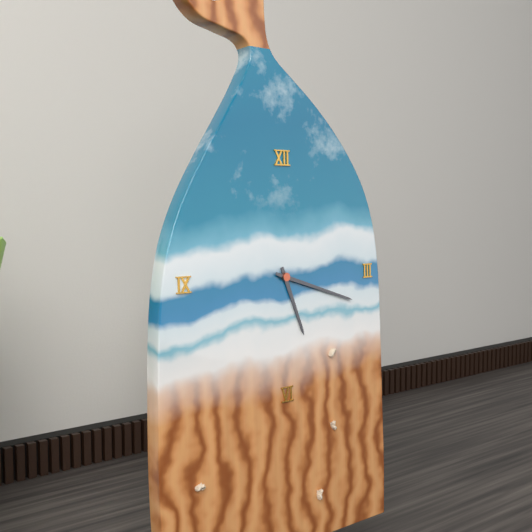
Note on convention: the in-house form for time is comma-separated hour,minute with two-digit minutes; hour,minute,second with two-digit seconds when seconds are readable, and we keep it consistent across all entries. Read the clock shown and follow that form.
5,18
